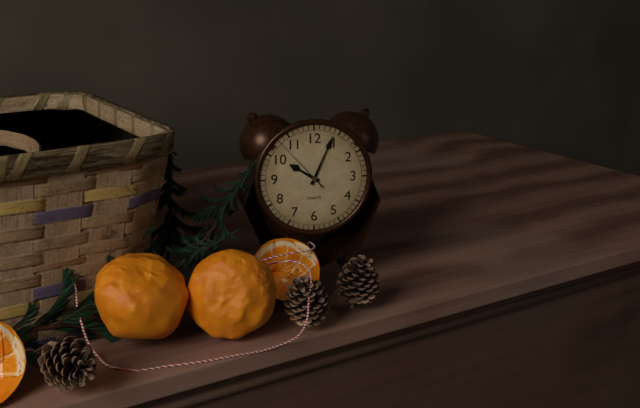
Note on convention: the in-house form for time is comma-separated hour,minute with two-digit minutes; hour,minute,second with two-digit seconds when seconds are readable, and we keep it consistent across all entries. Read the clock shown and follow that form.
10,04,53
